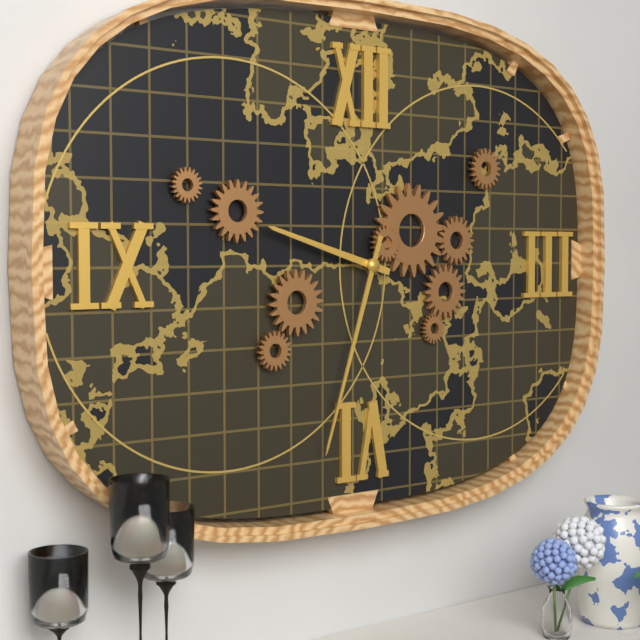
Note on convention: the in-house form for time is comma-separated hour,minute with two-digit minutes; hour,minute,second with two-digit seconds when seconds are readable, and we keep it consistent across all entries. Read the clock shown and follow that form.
9,33
